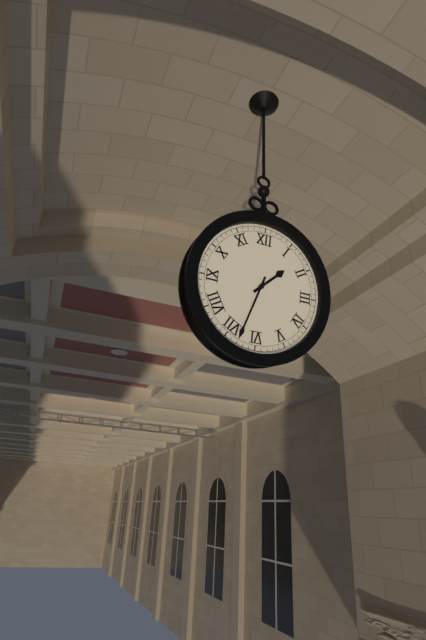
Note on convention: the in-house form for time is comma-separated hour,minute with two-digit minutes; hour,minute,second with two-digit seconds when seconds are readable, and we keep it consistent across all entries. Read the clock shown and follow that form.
1,33
